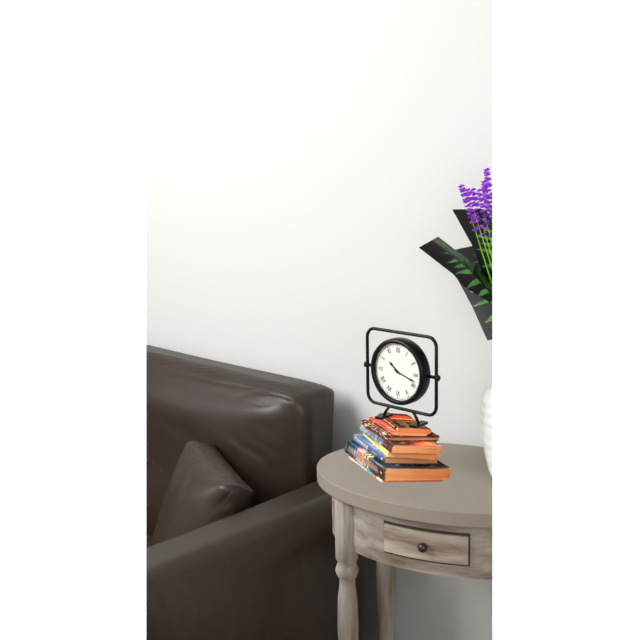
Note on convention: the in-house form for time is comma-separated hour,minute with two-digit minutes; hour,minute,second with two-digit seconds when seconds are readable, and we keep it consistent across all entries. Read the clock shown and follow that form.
10,18
